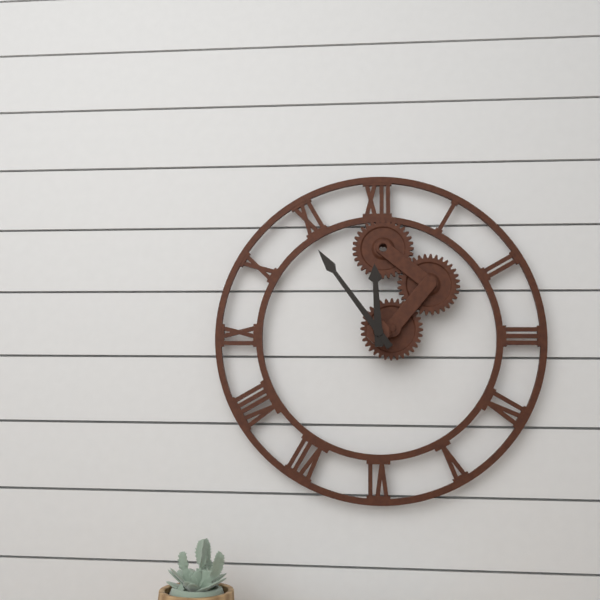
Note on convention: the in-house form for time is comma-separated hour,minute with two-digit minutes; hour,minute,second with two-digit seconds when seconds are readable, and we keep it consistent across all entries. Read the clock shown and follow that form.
11,54
